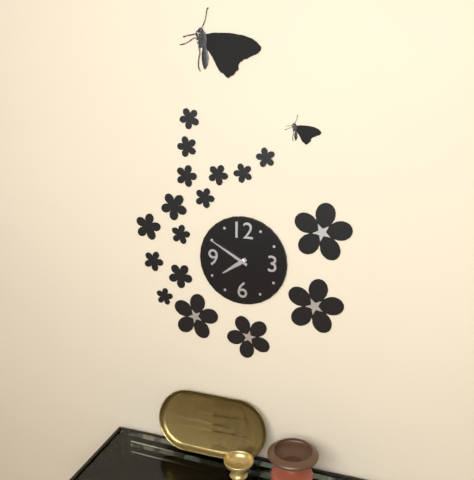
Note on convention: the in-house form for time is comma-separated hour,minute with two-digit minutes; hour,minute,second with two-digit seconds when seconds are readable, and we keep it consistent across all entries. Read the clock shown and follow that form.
7,50
